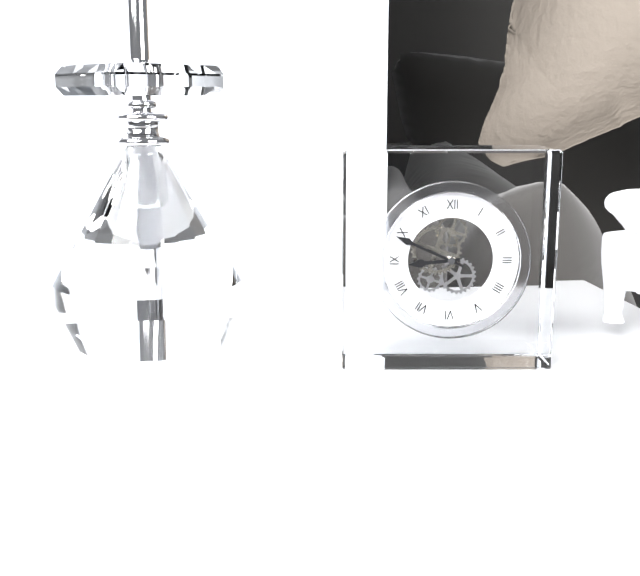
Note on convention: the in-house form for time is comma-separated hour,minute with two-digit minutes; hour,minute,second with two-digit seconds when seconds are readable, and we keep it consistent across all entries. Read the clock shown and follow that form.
8,49
